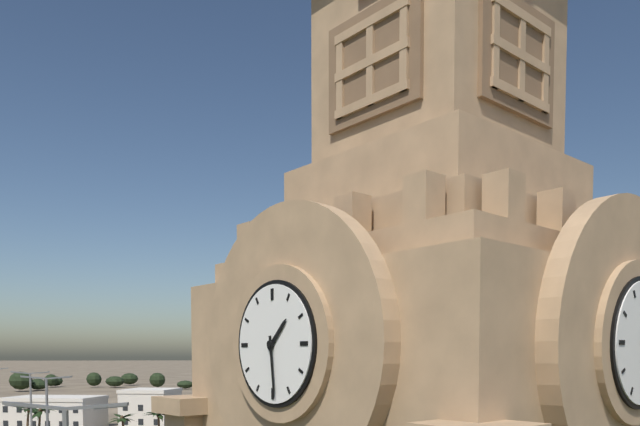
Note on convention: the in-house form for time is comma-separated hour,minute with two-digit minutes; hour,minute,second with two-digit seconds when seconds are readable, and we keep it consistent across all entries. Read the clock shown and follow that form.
1,29
